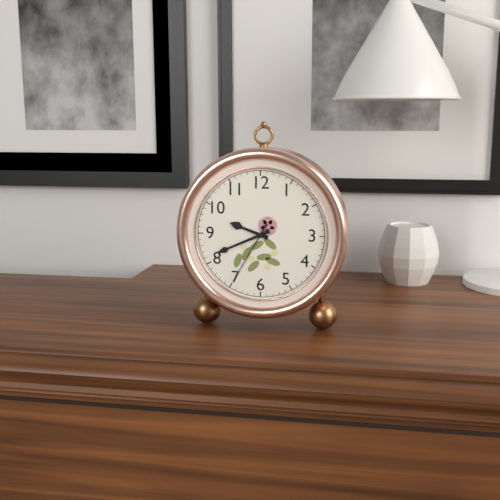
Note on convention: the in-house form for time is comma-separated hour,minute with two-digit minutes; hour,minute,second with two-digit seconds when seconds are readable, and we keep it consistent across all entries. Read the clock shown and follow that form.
9,41,35
